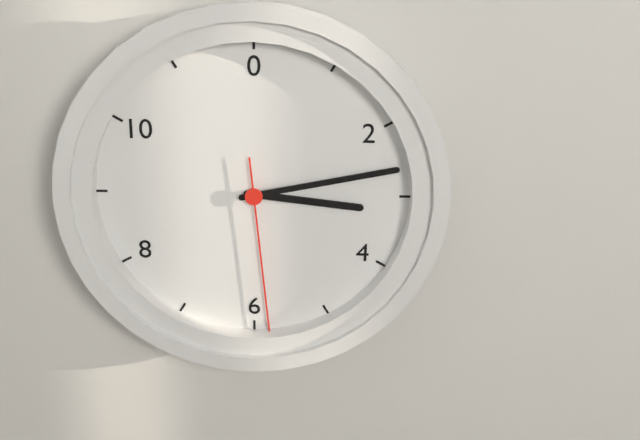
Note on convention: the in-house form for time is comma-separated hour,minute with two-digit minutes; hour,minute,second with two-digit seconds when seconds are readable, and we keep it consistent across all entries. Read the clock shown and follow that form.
3,13,29
